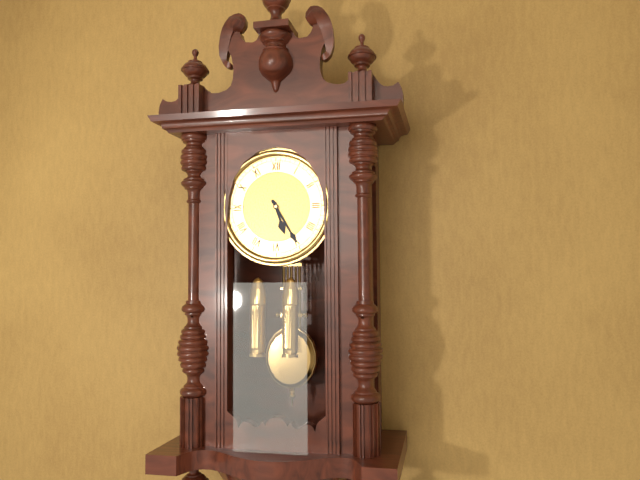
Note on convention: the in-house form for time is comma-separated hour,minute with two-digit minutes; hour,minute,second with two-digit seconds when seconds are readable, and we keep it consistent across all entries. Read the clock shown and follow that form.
5,25
